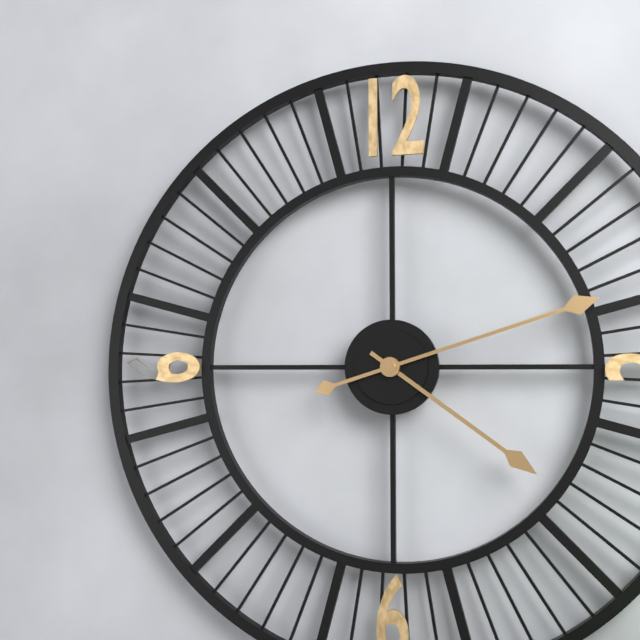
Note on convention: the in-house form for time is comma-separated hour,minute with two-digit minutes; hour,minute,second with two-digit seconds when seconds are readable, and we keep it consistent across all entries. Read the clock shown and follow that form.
4,12
